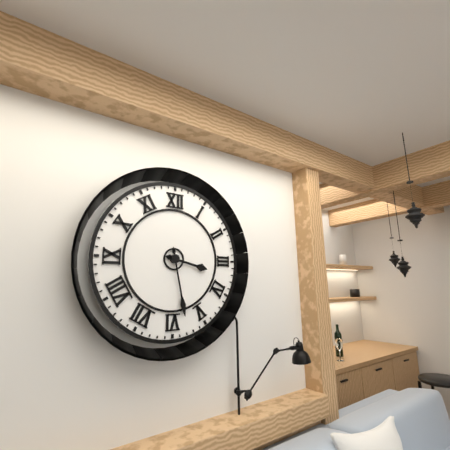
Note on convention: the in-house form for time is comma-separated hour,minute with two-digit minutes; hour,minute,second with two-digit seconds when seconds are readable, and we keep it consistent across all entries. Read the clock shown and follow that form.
3,28
